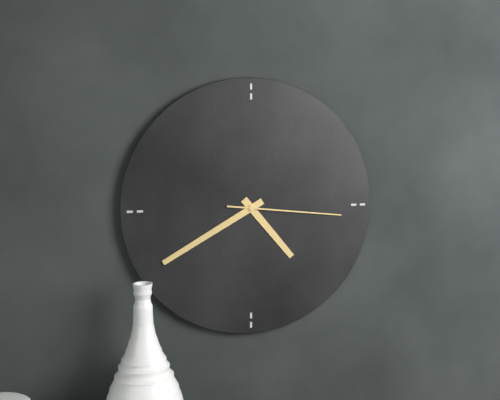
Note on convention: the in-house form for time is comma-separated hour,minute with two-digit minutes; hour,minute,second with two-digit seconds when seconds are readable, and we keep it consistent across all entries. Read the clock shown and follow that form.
4,40,16
